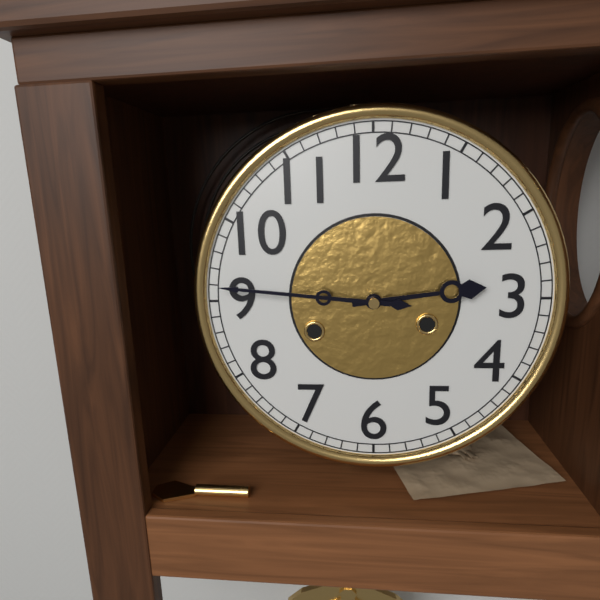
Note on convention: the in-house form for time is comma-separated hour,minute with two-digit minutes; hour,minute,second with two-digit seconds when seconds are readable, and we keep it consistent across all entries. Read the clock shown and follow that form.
2,46
